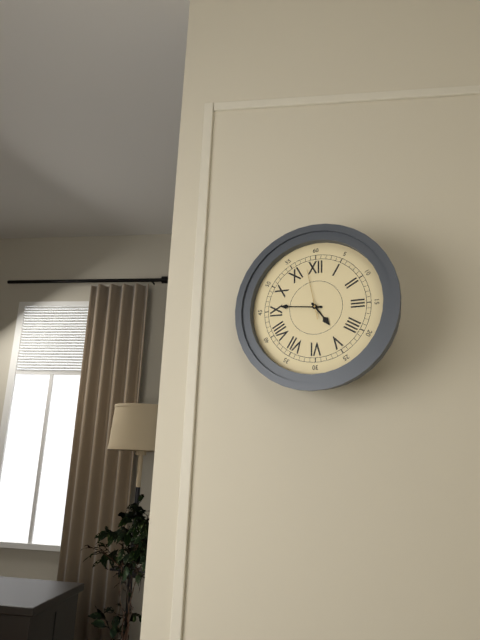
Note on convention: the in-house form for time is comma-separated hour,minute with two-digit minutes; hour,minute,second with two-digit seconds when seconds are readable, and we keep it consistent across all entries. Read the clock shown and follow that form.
4,46
